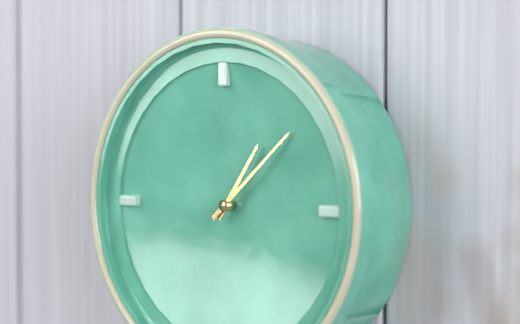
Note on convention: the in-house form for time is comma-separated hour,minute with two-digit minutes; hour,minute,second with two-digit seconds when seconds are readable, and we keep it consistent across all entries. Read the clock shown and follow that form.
1,08
